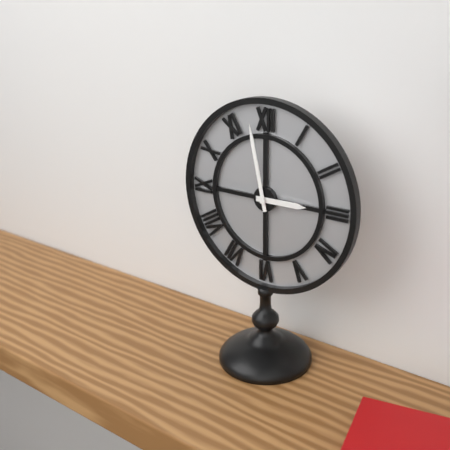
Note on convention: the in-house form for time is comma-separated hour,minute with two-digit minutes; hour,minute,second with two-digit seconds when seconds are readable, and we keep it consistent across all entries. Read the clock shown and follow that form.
2,58
